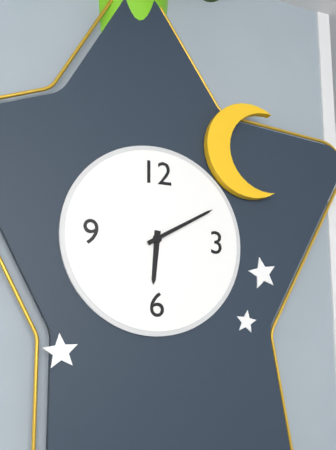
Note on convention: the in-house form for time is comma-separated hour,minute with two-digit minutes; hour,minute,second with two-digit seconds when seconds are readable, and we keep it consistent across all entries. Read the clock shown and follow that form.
6,10
